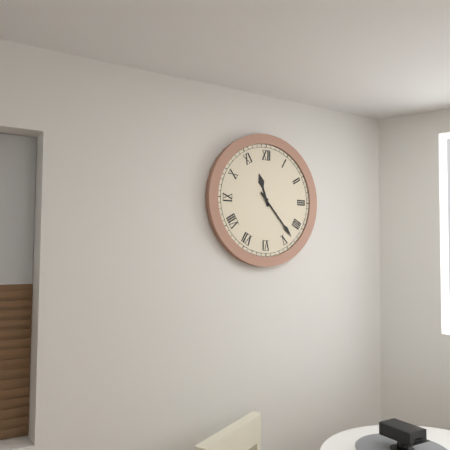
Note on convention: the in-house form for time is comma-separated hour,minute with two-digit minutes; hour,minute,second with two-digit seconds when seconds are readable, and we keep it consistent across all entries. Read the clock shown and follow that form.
11,23
